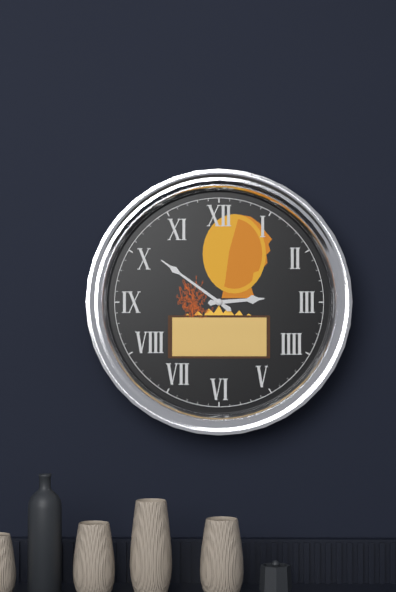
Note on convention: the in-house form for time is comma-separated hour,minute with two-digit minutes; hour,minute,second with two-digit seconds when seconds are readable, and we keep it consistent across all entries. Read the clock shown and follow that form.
2,51
